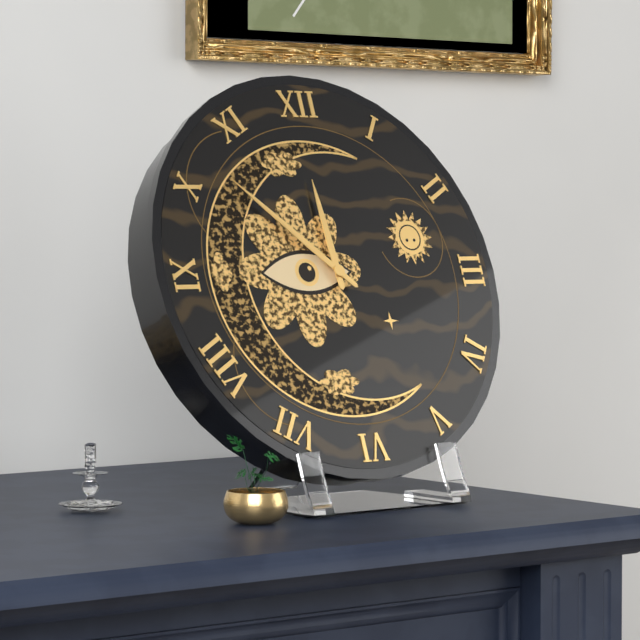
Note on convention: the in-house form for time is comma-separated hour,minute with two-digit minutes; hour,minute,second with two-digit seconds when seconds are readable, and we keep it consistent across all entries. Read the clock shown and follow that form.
11,52
